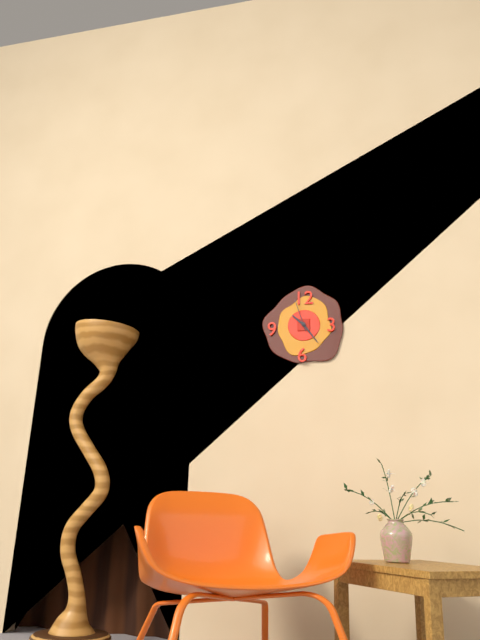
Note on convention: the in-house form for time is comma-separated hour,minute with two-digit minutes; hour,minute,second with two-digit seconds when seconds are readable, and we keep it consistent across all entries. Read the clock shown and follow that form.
10,24
